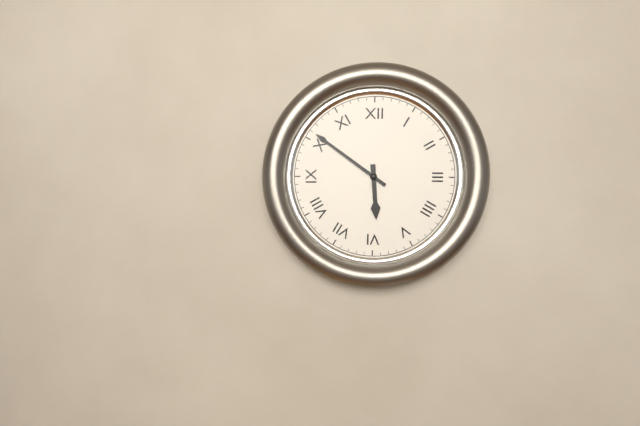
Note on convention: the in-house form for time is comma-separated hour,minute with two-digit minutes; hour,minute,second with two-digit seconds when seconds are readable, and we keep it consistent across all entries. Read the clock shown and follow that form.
5,51
